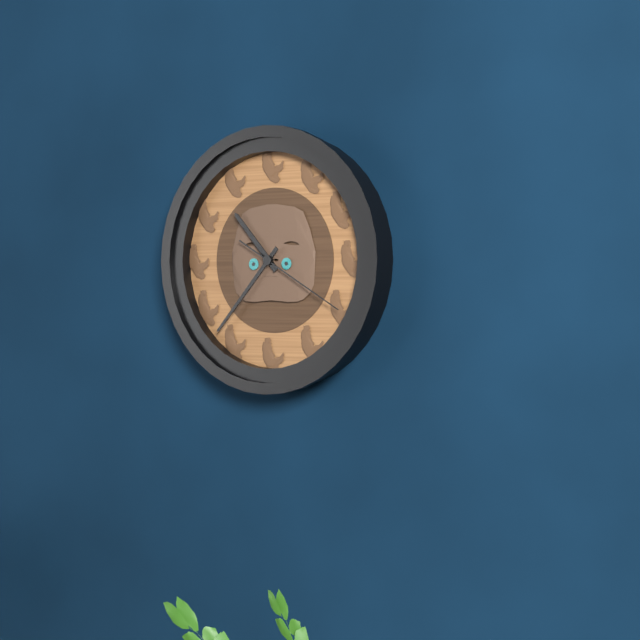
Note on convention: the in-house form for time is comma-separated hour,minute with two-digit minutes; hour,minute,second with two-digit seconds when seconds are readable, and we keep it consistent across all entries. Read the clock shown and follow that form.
10,37,20
